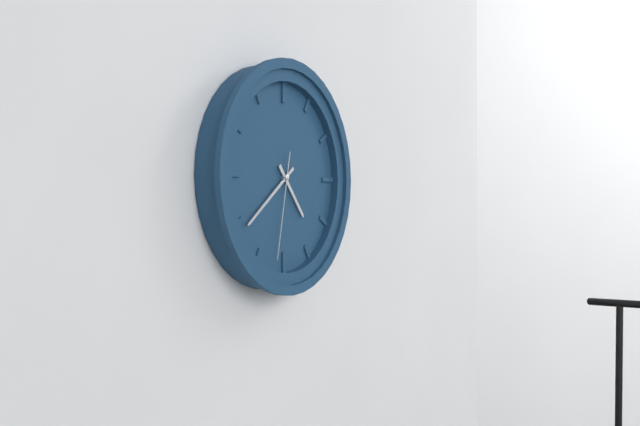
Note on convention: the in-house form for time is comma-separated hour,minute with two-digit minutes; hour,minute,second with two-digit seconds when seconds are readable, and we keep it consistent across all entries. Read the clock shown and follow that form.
4,39,32
